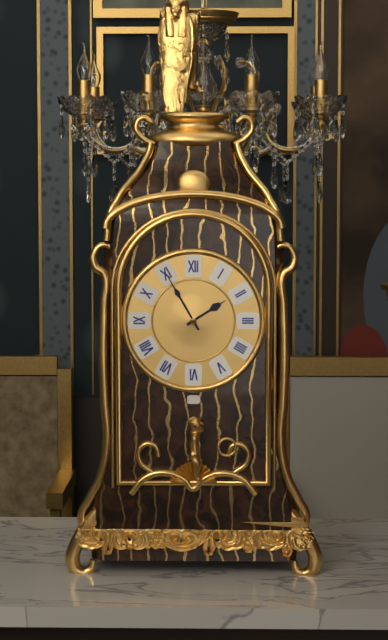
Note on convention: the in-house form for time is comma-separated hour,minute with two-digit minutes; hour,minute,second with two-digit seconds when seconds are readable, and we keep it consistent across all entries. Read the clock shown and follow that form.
1,55
